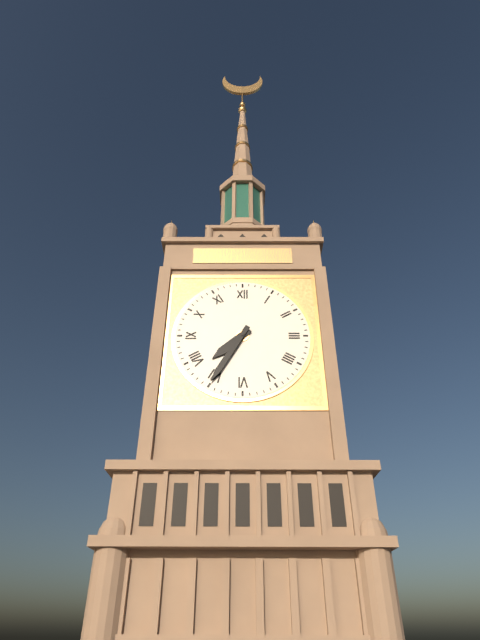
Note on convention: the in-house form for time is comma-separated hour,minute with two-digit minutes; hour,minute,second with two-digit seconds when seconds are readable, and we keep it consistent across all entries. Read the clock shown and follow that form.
7,35
